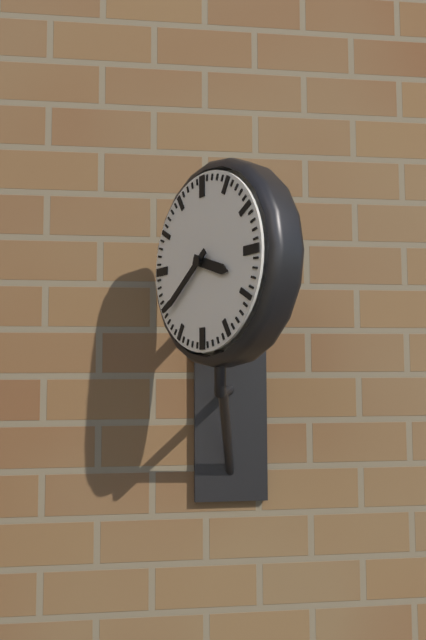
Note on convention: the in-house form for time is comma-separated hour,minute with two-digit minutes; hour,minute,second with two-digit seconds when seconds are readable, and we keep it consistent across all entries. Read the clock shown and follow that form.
3,39
